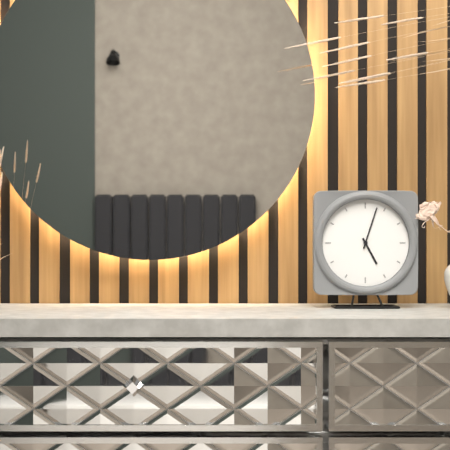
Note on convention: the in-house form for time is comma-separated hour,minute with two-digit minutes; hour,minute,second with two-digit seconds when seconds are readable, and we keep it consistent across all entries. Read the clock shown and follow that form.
5,03
